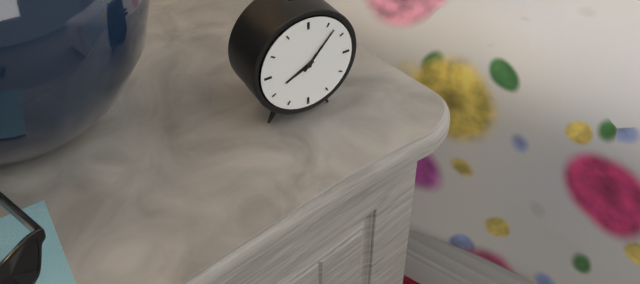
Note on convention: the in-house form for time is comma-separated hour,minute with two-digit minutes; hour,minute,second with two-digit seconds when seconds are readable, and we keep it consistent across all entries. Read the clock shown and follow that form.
8,07
